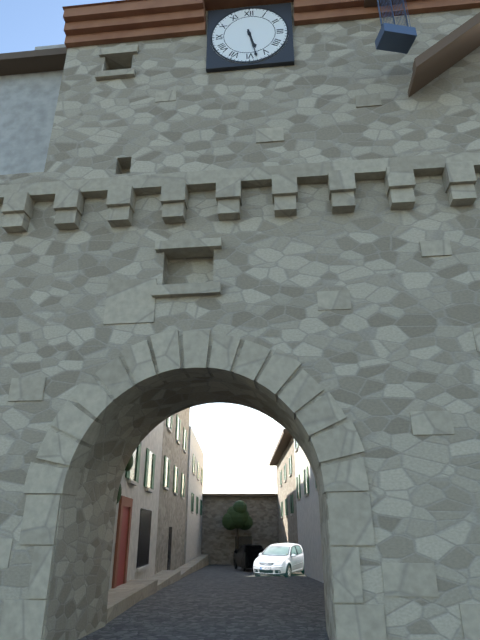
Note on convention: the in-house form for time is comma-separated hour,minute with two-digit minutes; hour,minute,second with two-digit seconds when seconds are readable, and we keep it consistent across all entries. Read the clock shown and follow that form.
5,28
